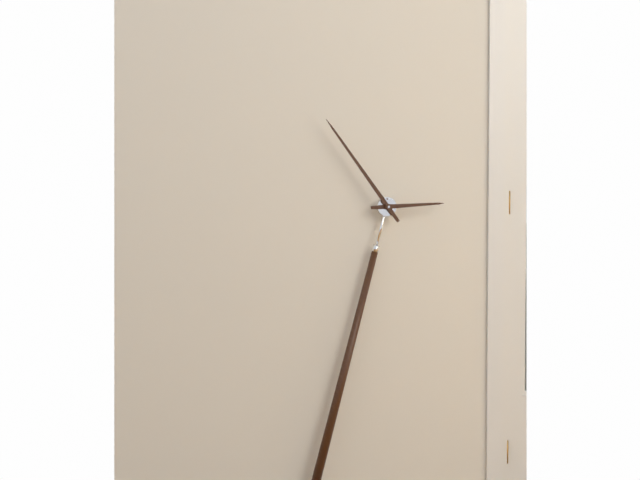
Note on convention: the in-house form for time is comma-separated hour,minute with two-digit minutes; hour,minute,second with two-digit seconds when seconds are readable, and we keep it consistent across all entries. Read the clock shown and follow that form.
2,54
